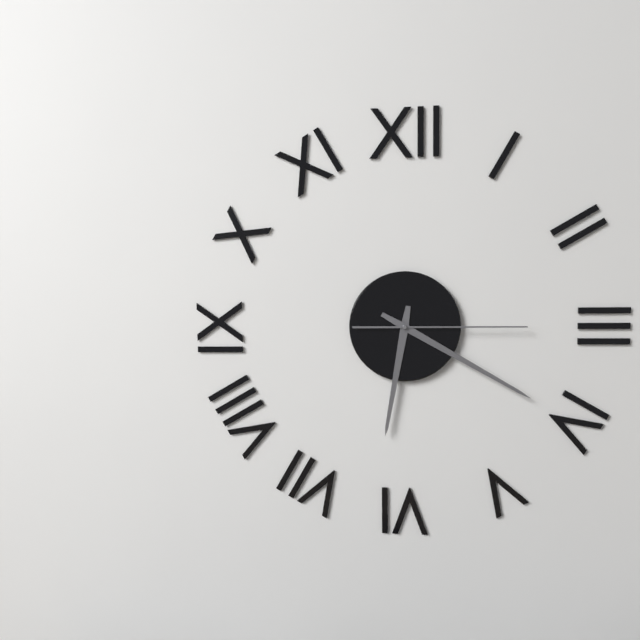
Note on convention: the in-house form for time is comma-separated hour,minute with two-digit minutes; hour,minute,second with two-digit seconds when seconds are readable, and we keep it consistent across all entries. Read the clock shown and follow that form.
6,20,15
